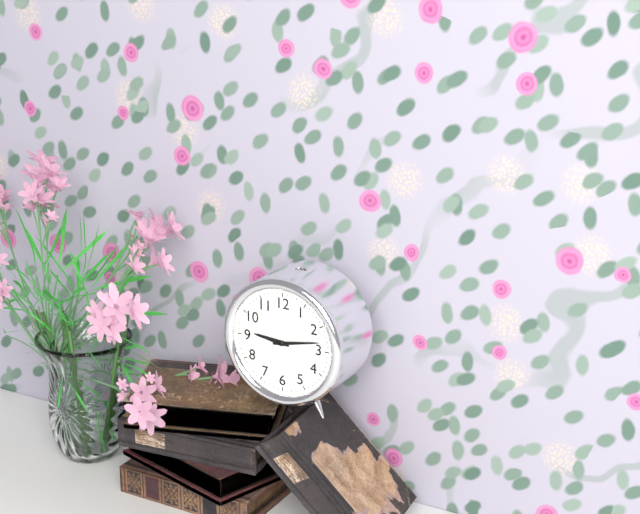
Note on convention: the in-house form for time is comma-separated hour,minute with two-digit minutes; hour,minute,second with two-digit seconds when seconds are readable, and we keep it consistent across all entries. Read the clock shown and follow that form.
9,13
